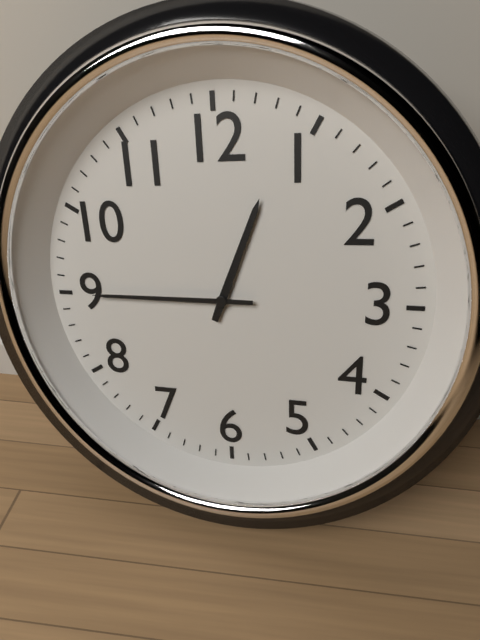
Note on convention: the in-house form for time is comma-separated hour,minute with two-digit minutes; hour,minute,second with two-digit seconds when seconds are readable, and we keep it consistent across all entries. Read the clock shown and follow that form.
12,45
